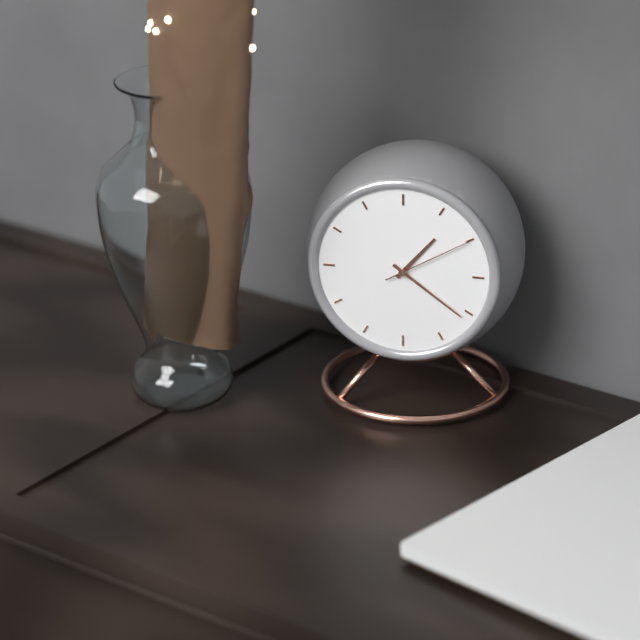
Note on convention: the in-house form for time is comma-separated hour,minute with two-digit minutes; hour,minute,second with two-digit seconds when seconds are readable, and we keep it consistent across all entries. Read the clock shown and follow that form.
1,21,10
